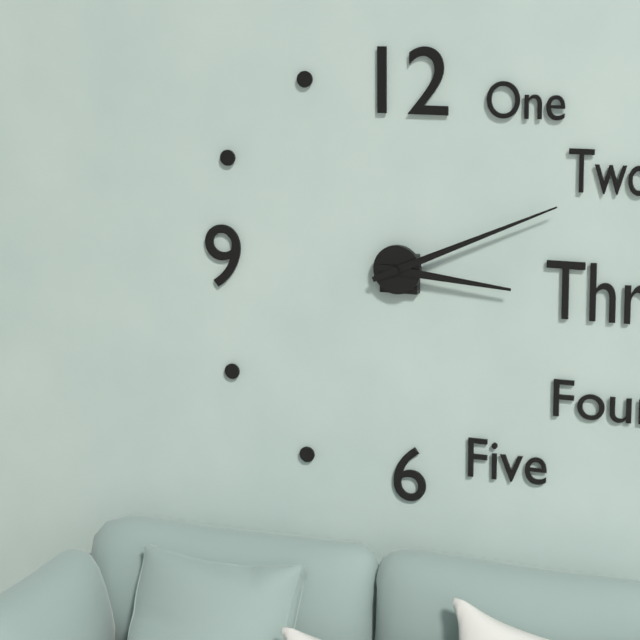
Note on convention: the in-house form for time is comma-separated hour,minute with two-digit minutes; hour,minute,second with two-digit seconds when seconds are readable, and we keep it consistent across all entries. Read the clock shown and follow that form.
3,11
